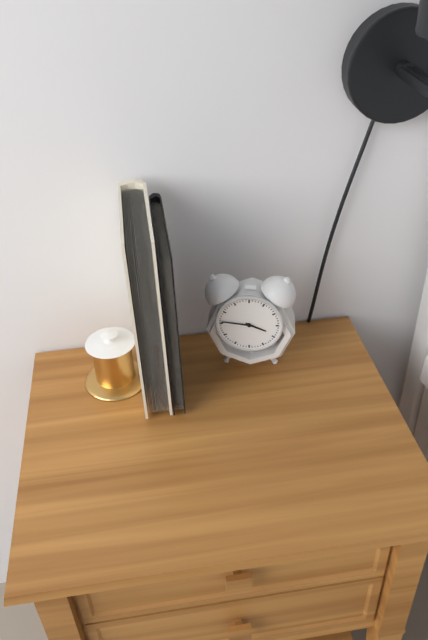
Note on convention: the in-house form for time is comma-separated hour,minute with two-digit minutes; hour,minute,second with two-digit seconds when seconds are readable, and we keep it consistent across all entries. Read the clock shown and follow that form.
3,46
